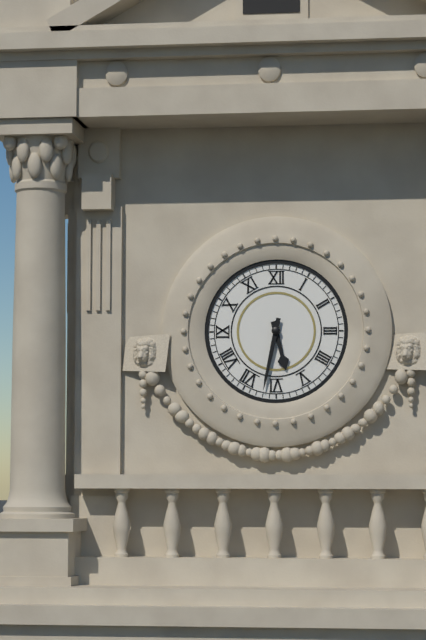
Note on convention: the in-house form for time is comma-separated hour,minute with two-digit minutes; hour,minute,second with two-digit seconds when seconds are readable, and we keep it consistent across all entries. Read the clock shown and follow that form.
5,32
